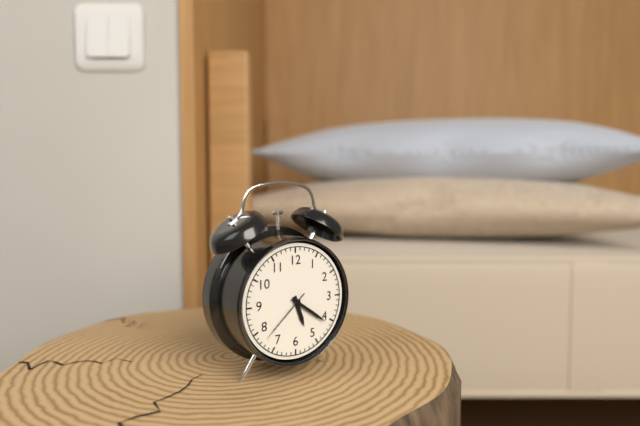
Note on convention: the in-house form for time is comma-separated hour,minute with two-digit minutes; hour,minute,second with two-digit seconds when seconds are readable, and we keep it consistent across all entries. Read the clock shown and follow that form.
5,21,38
